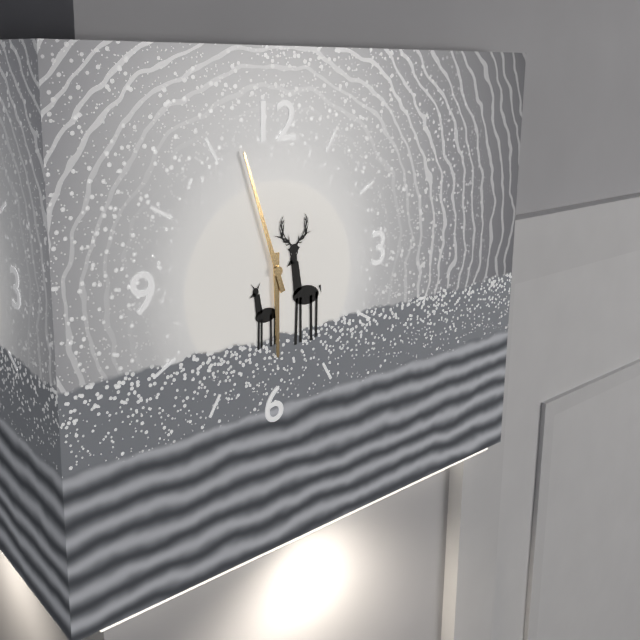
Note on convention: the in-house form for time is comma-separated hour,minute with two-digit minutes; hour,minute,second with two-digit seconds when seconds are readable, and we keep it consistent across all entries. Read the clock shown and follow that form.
5,57
